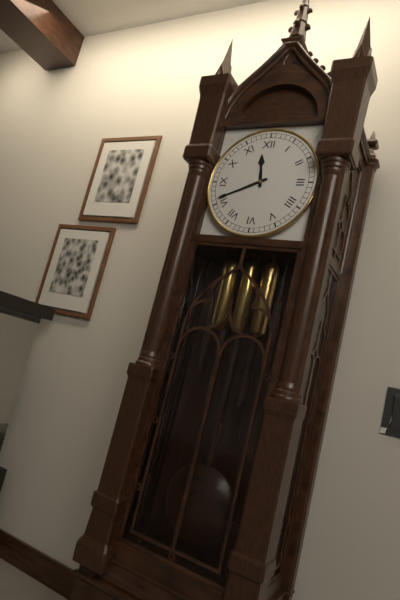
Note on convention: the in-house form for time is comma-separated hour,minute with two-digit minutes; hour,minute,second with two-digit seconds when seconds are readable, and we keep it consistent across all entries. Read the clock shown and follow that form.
11,41
